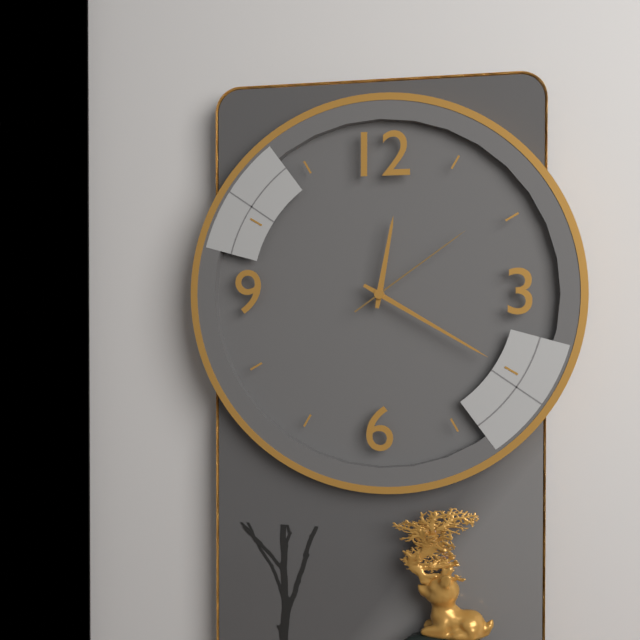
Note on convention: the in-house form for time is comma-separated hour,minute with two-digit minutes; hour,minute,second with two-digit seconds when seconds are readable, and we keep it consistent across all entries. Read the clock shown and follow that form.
12,20,09
